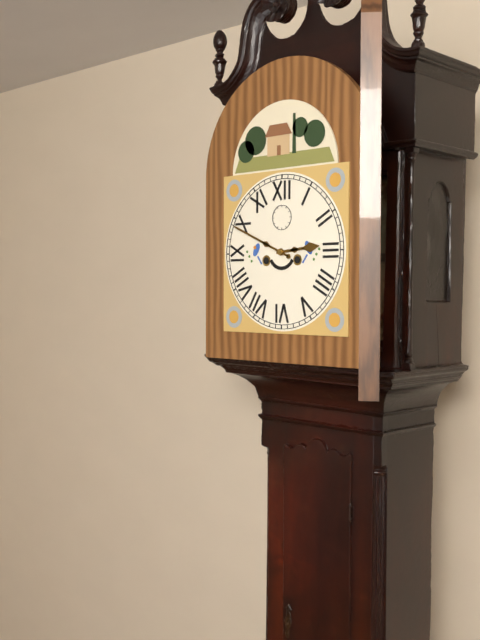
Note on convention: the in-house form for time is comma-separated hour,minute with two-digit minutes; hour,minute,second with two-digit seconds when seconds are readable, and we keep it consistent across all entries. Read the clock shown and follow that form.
2,49
